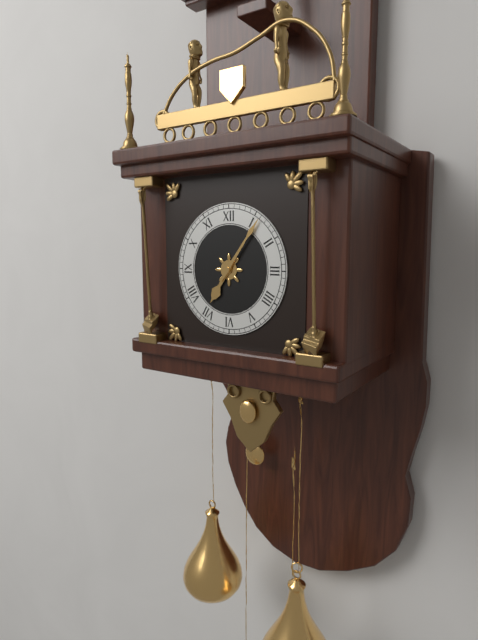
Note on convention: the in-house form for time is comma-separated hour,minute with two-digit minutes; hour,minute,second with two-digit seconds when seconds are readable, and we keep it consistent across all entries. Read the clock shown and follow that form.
7,06
